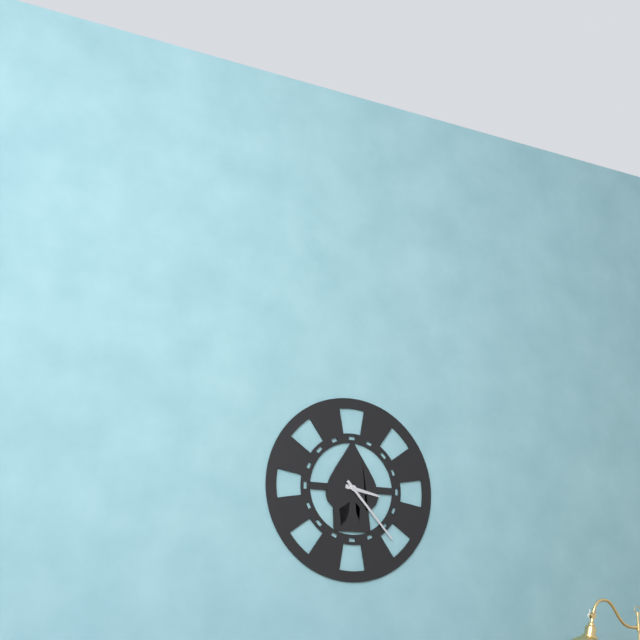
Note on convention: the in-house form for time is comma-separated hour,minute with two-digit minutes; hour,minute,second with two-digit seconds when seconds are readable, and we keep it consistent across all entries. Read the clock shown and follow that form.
3,23
